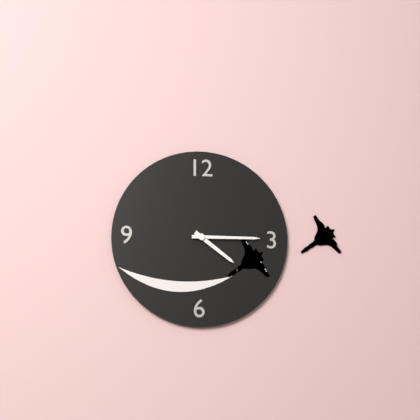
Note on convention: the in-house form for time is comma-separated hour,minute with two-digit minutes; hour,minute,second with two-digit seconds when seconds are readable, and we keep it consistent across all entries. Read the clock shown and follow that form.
4,15
